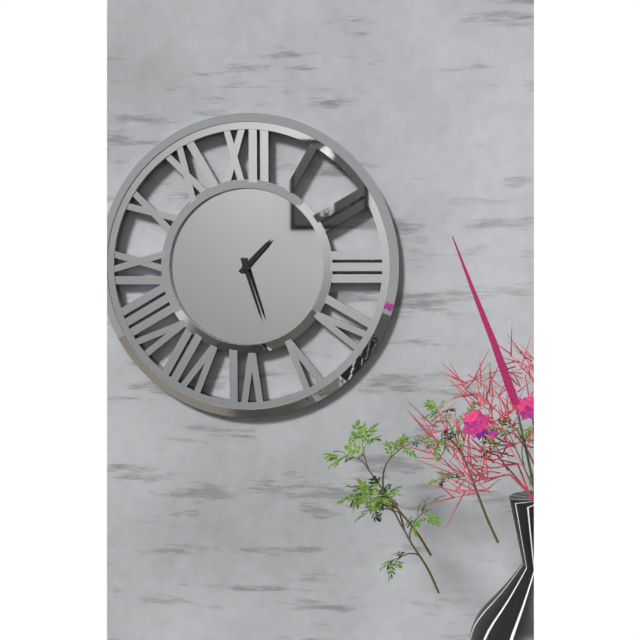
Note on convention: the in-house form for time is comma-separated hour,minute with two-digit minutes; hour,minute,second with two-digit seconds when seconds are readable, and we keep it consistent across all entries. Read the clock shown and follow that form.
1,27
